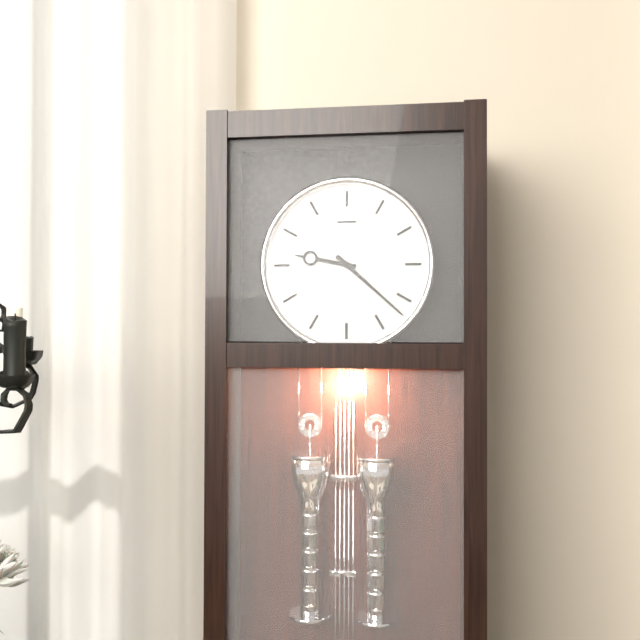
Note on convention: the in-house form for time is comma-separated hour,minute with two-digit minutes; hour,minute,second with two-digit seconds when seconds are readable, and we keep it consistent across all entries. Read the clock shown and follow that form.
9,22
